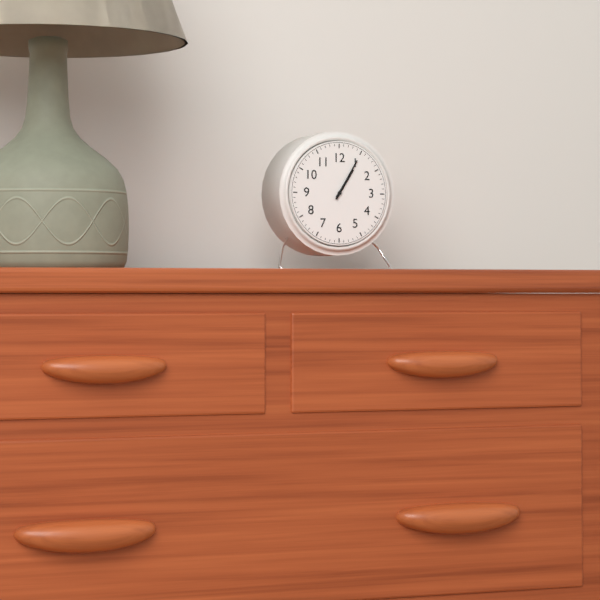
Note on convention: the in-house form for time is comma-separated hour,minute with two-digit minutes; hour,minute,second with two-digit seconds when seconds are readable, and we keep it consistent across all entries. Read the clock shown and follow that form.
1,05
